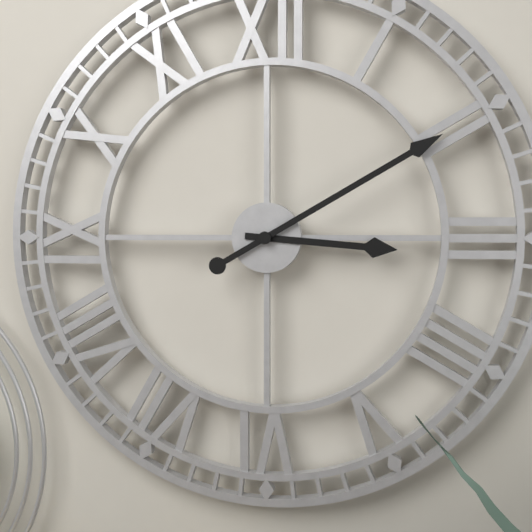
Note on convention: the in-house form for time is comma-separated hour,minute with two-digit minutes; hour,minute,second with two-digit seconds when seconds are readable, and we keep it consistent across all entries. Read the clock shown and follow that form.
3,10
